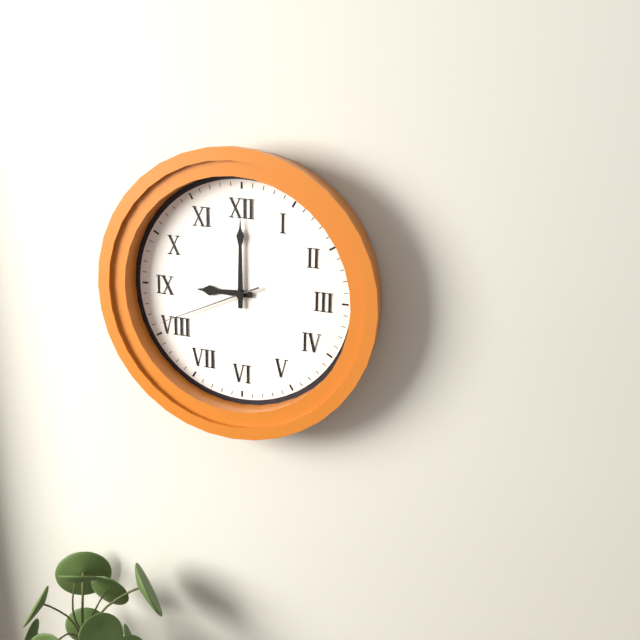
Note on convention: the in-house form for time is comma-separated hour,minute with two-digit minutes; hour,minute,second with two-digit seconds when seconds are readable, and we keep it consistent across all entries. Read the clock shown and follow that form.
9,00,41
